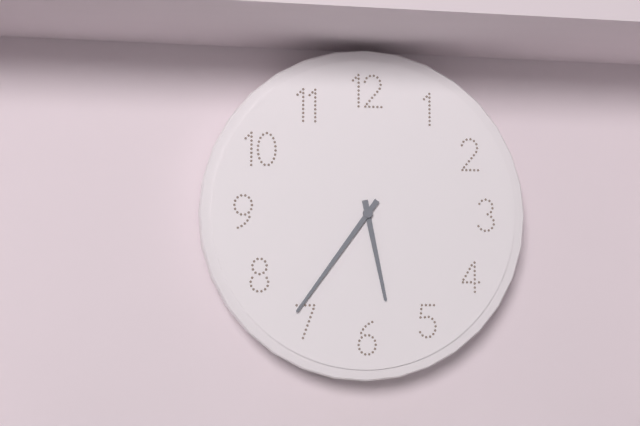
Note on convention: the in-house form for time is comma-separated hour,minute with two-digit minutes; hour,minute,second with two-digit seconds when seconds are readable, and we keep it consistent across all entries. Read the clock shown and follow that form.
5,36
